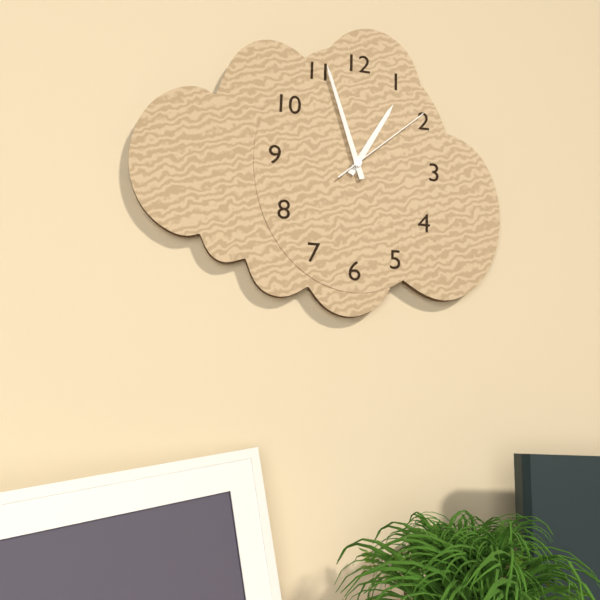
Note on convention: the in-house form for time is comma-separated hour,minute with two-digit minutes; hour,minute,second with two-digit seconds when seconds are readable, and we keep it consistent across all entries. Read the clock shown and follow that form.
12,57,08
